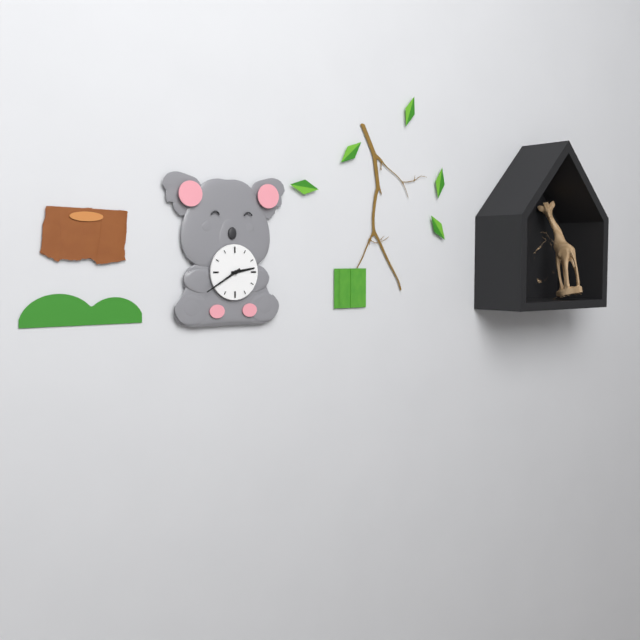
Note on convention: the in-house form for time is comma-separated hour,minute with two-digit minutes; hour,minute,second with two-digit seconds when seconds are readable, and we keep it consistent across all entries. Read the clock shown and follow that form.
2,40
